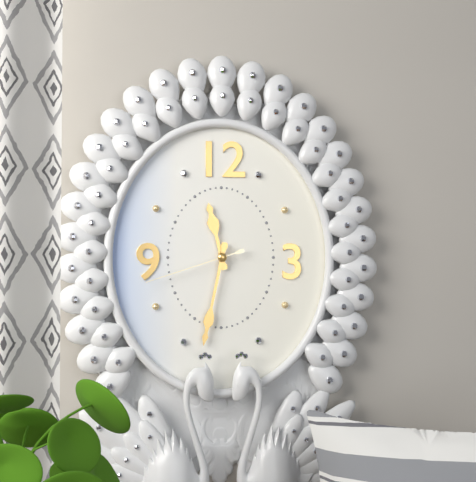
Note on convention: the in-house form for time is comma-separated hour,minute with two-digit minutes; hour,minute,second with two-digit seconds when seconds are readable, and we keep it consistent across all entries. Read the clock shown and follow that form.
11,32,42
